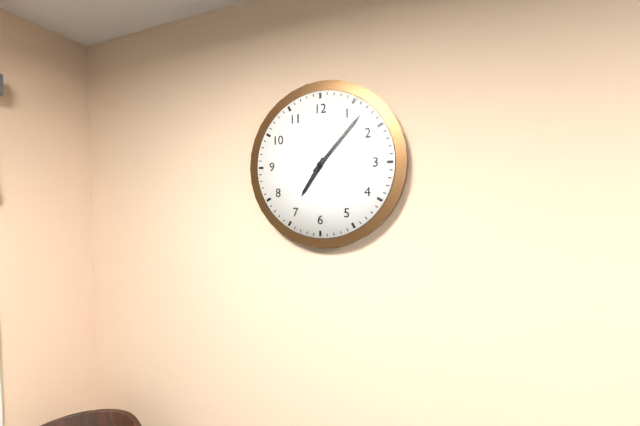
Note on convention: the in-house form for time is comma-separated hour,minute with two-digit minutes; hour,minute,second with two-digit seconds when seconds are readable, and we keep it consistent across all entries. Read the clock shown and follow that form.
7,07
